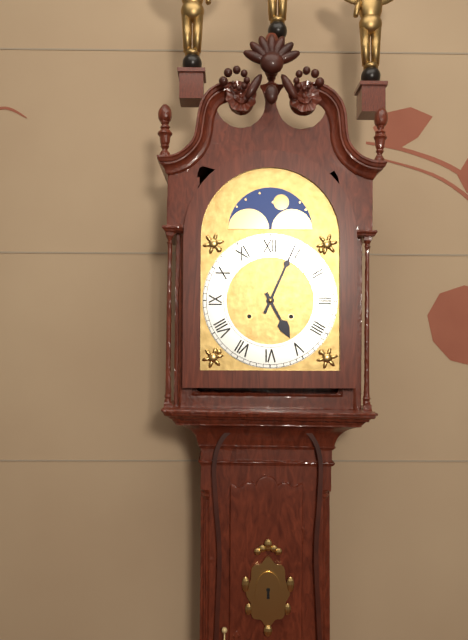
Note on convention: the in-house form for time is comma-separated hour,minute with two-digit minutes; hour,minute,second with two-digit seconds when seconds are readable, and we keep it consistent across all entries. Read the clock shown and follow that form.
5,04
